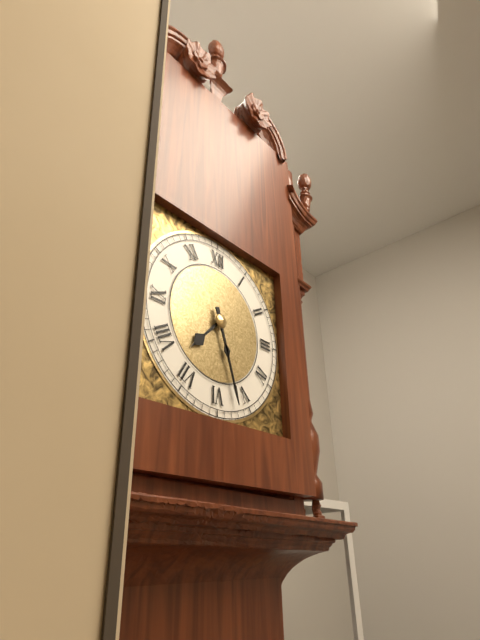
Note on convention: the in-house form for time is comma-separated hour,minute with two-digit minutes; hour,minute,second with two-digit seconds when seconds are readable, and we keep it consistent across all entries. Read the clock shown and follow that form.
7,27
